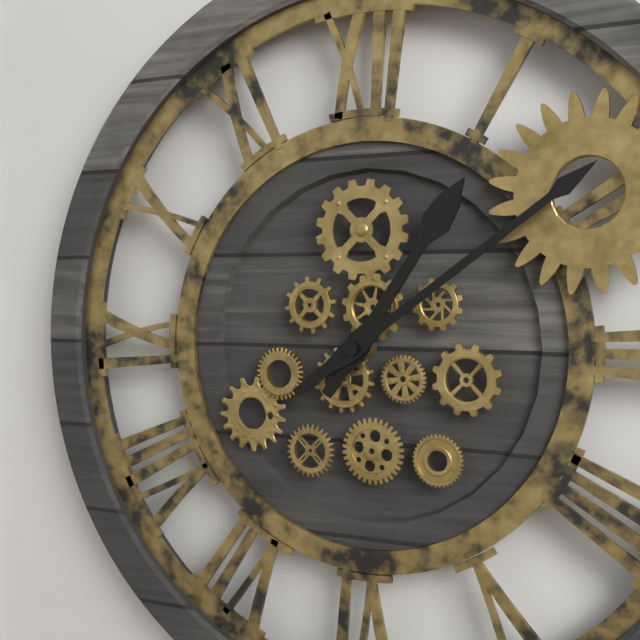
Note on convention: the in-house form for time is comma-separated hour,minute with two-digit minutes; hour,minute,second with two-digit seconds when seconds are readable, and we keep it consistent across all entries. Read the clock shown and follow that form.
1,09
